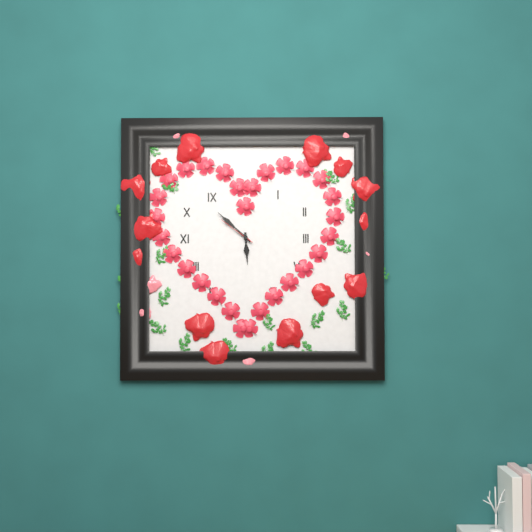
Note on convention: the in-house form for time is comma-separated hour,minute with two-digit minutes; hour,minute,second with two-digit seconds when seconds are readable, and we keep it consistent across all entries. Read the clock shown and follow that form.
5,52
